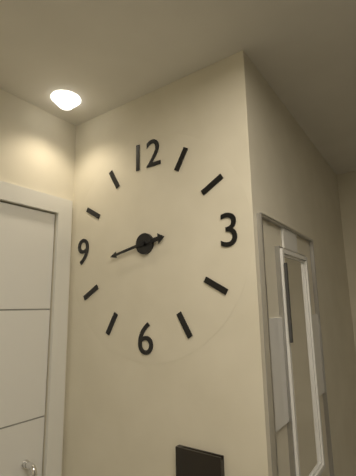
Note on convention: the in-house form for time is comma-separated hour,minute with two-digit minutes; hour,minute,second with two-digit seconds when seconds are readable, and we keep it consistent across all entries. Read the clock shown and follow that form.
2,43
